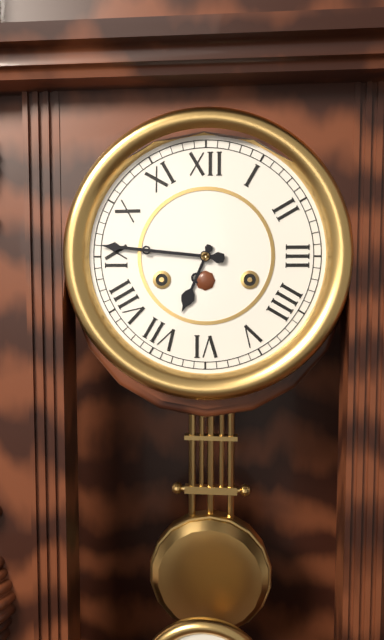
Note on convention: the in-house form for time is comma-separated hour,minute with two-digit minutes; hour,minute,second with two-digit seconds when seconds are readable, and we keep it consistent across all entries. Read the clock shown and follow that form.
6,46
